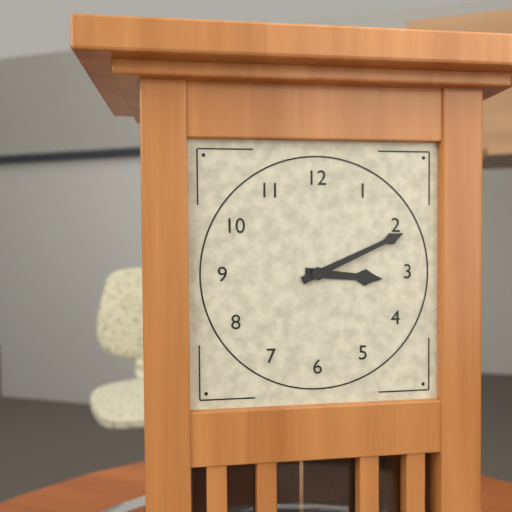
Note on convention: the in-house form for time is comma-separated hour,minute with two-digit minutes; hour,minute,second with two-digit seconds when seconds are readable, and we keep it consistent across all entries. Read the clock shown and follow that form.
3,11
